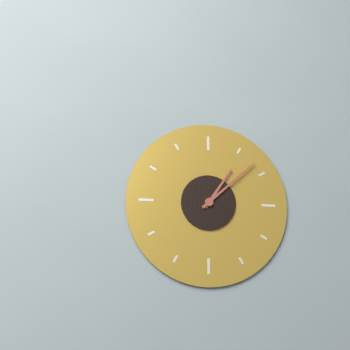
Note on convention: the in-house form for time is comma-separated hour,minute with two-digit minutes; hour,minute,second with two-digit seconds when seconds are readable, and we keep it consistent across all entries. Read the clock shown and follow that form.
1,08
